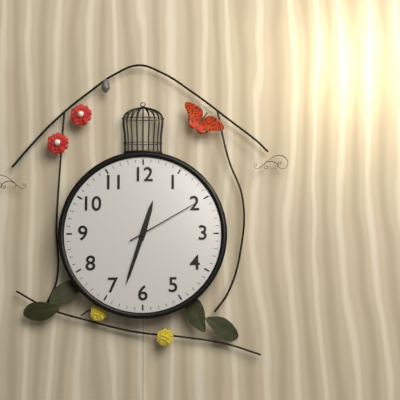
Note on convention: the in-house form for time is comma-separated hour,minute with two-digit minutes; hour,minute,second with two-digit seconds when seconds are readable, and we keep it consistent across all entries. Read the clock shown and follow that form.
12,33,10
